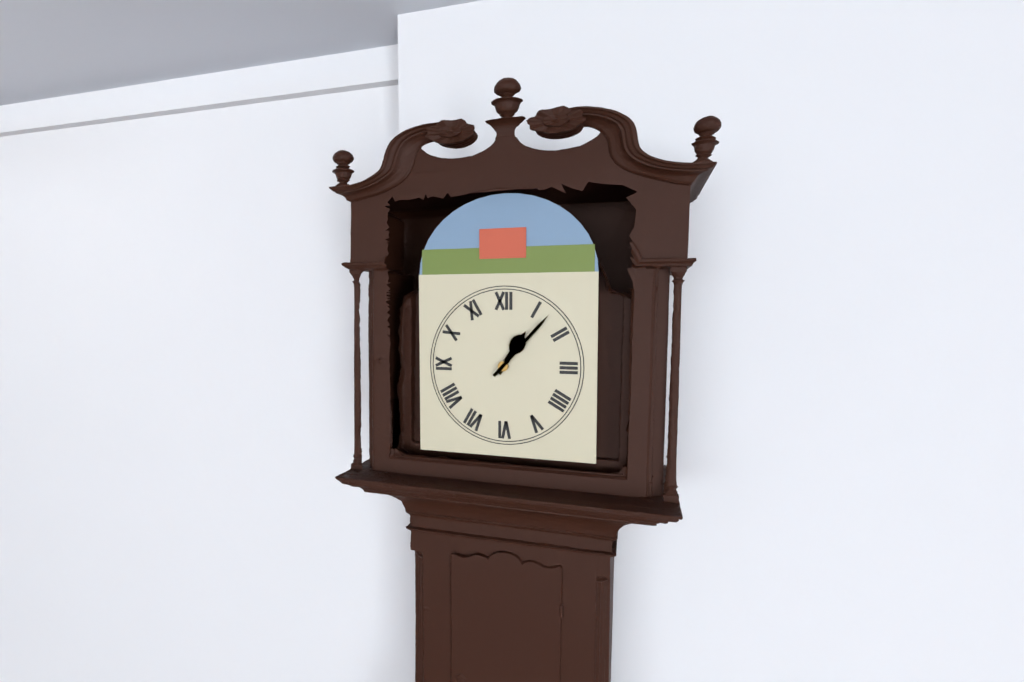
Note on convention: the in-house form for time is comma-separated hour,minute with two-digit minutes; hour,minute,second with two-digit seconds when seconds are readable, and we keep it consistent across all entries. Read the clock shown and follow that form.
1,07
